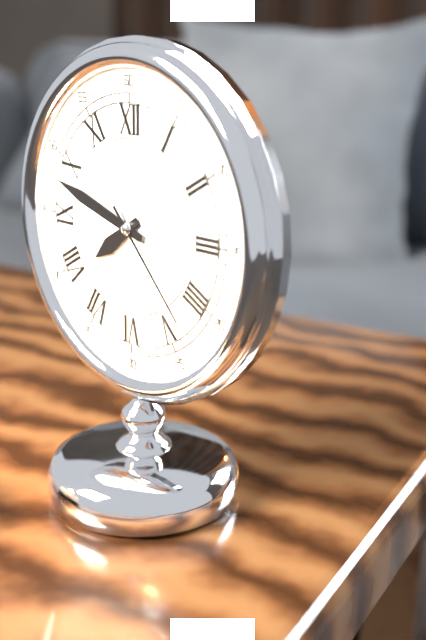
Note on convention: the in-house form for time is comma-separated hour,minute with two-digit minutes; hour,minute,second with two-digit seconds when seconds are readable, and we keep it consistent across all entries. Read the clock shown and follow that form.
7,48,23
